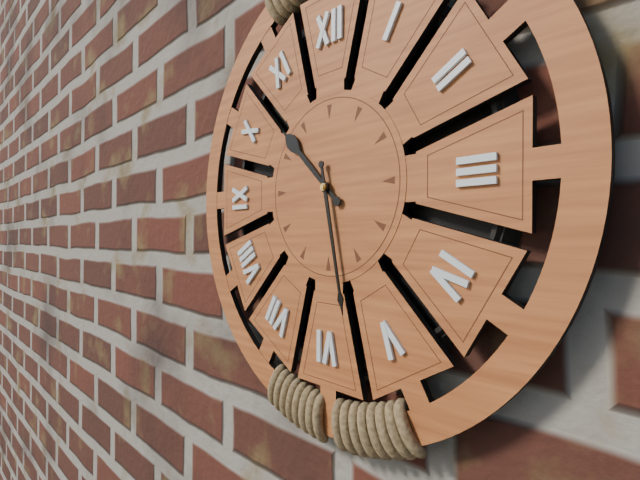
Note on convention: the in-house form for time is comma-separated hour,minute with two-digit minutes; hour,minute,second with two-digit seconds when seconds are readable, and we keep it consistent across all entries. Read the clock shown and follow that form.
10,28
